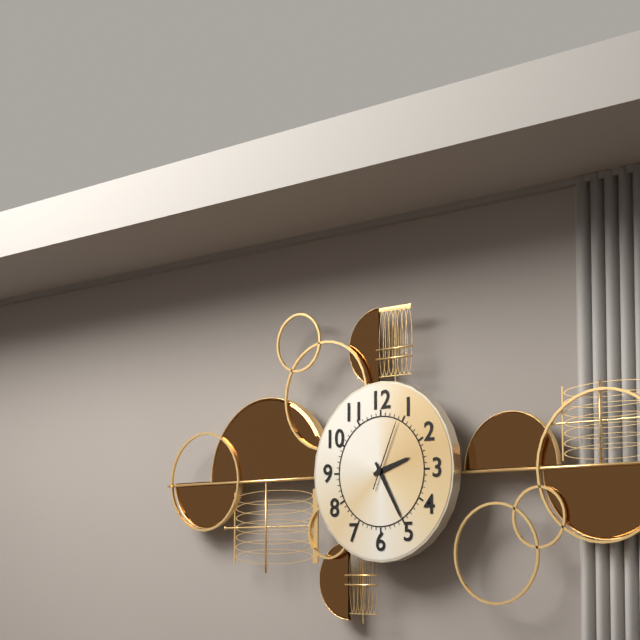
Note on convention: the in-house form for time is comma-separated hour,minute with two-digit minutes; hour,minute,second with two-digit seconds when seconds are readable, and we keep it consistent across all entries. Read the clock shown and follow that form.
2,25,04
